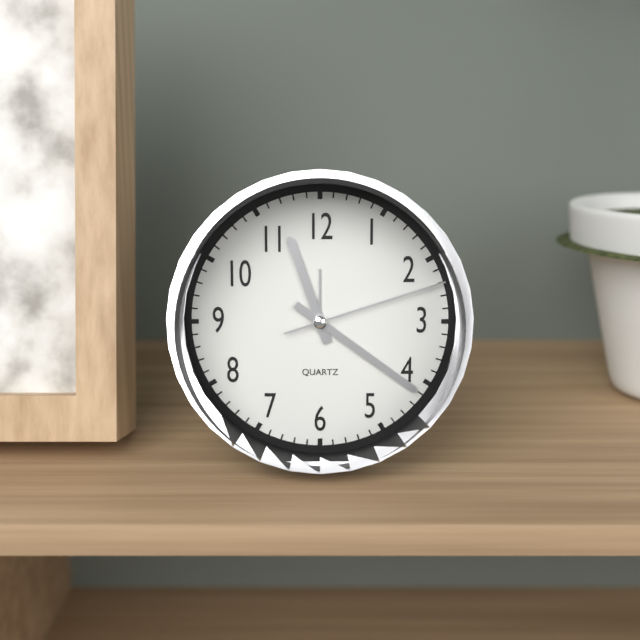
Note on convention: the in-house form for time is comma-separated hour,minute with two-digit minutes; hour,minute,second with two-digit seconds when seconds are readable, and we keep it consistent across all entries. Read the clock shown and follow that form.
11,21,12
